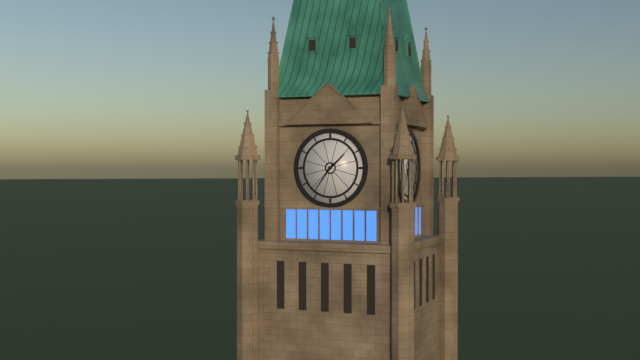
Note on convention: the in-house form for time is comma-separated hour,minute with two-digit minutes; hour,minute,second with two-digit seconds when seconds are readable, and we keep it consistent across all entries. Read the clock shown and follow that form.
1,36
